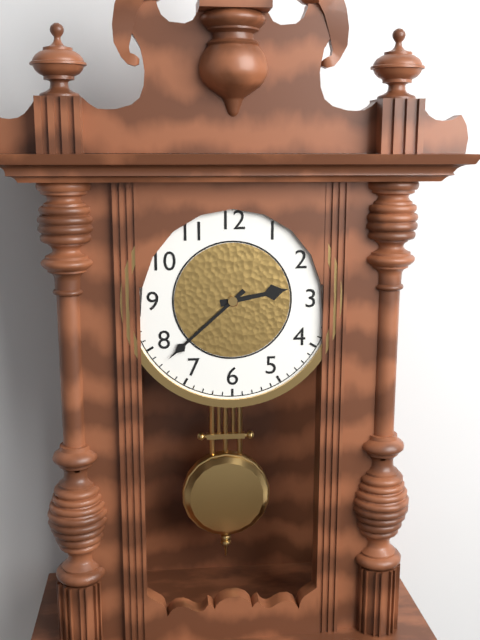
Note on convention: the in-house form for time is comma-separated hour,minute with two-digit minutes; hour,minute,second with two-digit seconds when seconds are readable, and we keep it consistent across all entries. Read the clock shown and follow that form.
2,38
